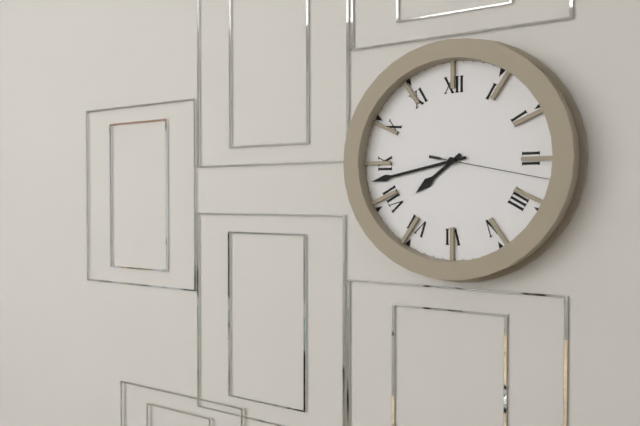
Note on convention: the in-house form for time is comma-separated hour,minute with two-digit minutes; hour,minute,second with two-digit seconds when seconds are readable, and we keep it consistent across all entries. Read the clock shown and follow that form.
7,43,17
